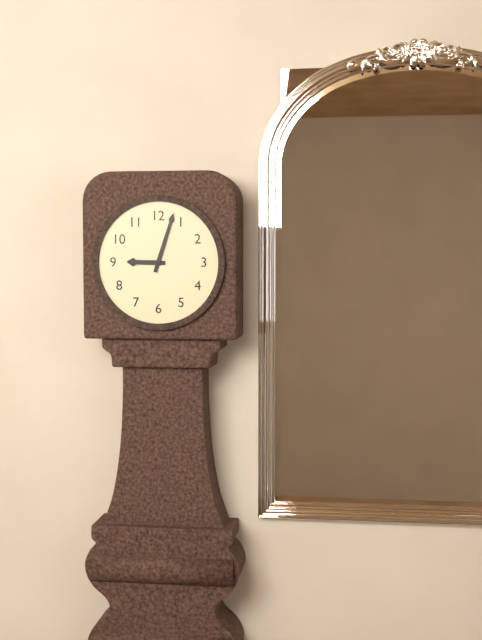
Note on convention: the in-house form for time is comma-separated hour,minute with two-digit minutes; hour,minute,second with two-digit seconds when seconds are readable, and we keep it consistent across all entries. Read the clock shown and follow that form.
9,03
